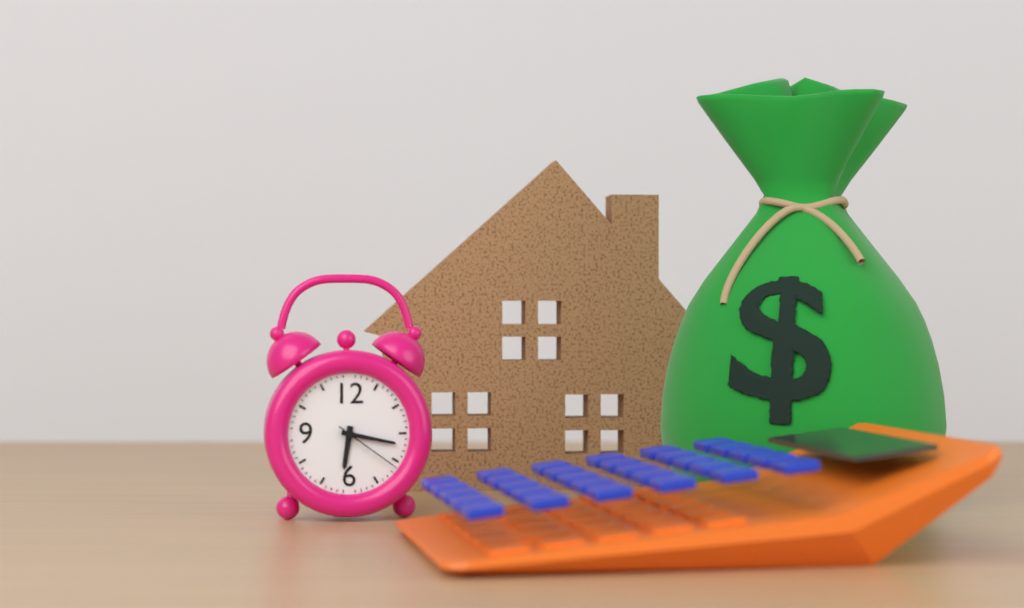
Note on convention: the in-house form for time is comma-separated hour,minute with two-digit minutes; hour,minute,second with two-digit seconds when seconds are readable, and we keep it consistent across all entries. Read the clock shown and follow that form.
6,17,21
